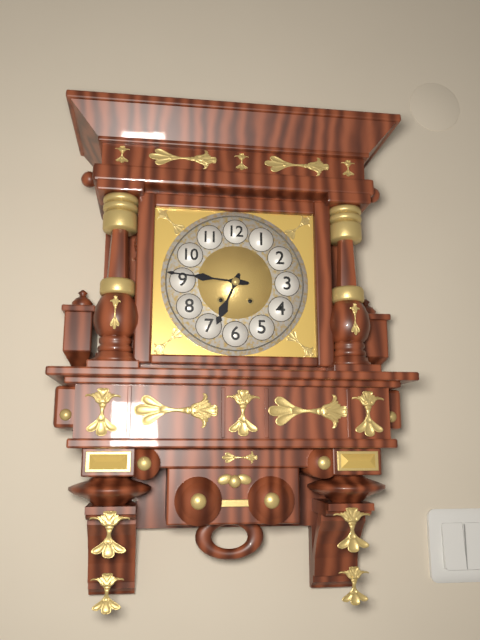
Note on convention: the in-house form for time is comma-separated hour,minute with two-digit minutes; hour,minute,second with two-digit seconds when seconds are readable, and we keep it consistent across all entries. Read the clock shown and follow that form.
6,46
